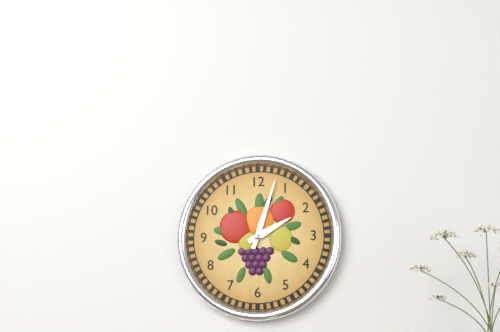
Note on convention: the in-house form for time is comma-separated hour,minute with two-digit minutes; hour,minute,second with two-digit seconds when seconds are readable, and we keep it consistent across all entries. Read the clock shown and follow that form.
2,03
